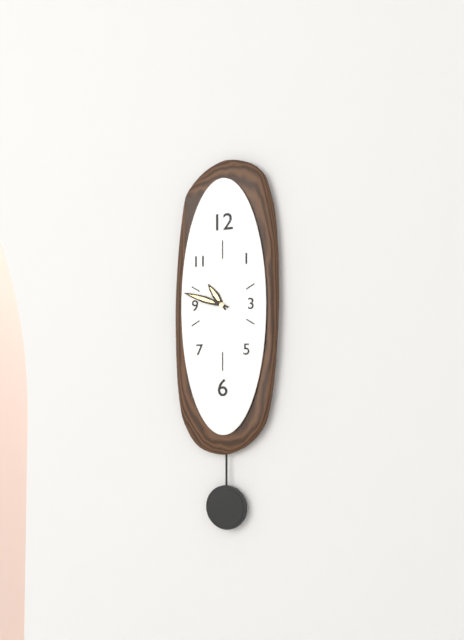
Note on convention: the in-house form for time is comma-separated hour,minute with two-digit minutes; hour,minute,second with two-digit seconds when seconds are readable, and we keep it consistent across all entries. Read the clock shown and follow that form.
10,48
